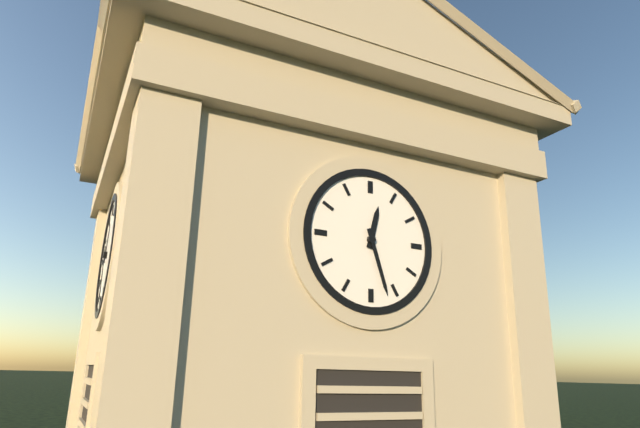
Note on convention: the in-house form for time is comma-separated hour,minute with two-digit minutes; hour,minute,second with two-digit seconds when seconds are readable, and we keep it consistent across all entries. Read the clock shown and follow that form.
12,27
